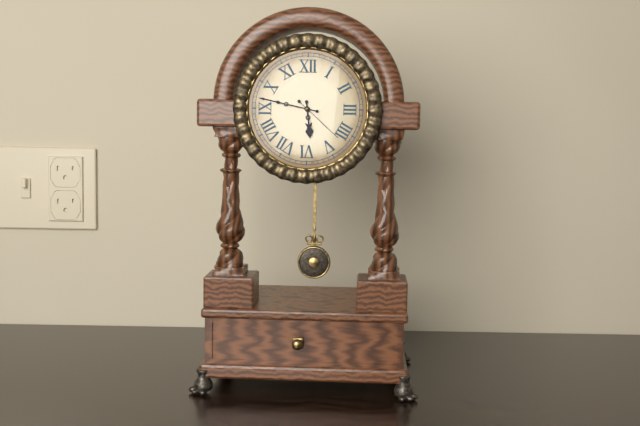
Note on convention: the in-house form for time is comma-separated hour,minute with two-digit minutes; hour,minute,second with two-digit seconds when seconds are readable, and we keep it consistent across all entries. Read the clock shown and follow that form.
5,47,22
